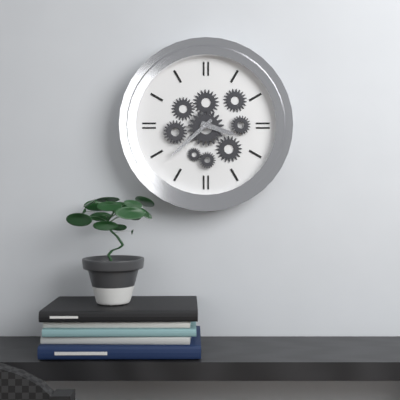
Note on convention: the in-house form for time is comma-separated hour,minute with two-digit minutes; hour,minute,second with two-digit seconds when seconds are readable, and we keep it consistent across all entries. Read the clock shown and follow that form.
3,38
